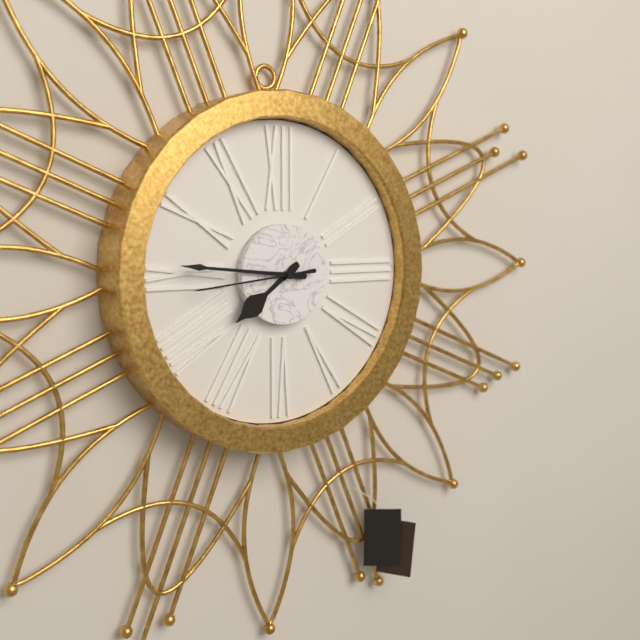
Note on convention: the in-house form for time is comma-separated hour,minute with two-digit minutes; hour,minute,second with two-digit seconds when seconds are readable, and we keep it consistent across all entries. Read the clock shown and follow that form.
7,46,44
